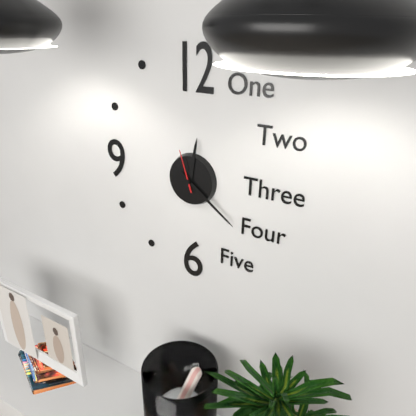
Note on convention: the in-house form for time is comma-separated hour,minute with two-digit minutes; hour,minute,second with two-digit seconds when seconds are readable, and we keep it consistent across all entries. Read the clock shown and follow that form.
12,21
